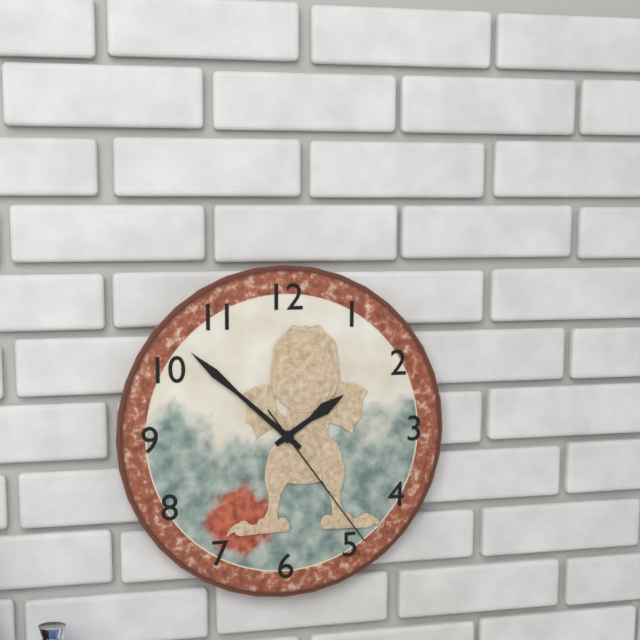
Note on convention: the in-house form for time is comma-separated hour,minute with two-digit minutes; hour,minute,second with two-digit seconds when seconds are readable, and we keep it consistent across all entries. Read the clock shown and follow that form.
1,52,24
